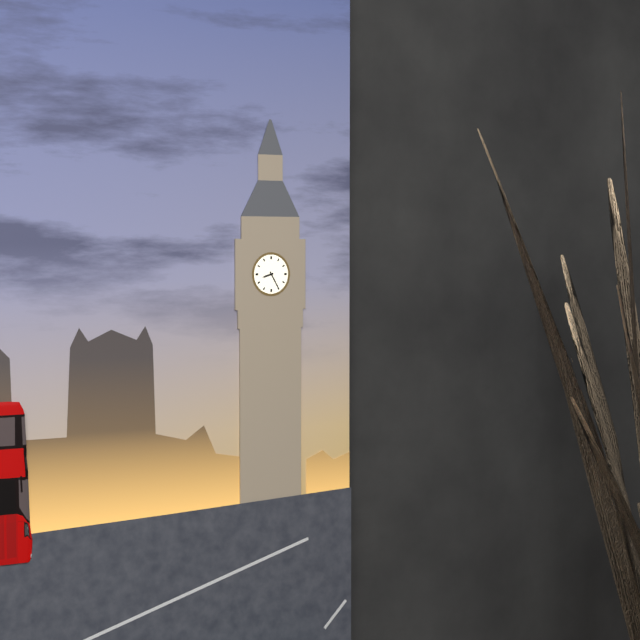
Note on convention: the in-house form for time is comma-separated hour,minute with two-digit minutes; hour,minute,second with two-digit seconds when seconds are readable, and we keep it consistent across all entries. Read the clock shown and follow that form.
8,25
